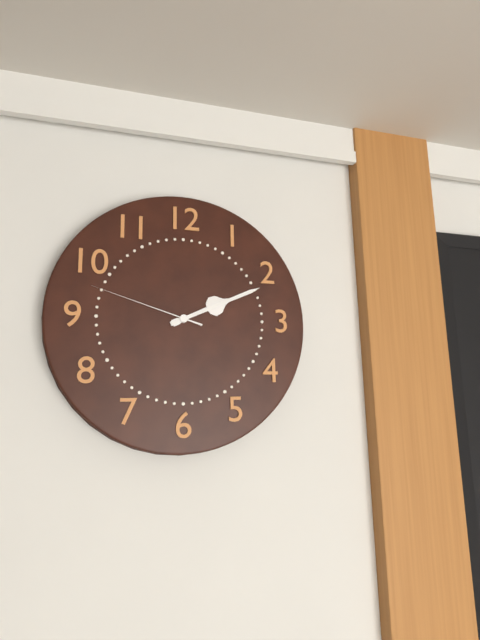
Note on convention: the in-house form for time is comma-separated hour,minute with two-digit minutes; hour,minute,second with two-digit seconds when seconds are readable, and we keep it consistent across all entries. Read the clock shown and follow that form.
2,11,48
